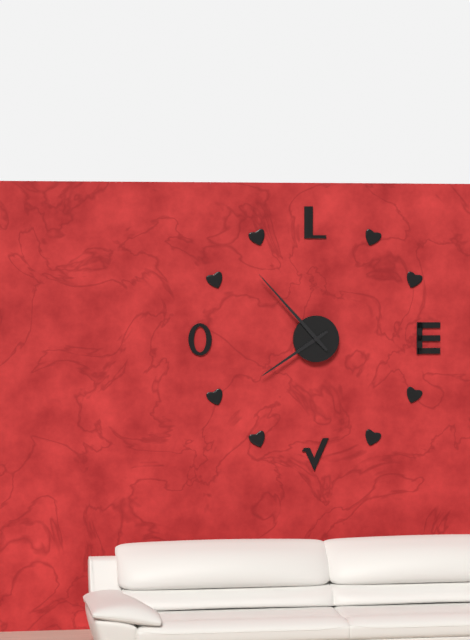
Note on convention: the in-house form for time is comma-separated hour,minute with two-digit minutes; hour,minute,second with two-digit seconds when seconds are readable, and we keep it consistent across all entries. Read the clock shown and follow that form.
7,53
